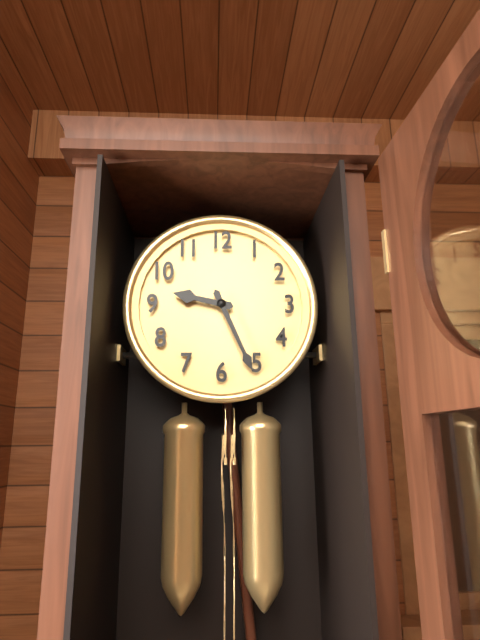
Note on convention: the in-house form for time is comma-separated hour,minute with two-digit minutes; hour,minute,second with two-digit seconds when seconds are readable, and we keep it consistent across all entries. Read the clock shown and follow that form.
9,26
